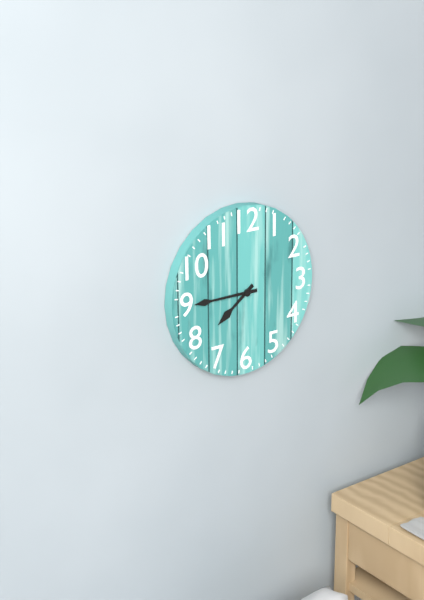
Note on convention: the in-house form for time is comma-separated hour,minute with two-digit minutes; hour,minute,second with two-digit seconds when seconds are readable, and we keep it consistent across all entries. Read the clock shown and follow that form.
7,45
